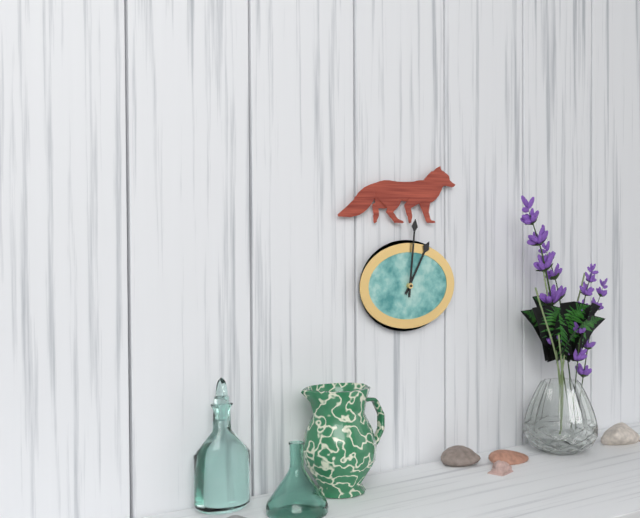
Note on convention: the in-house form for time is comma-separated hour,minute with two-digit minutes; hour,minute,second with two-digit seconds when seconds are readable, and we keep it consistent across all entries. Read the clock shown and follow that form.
1,01
